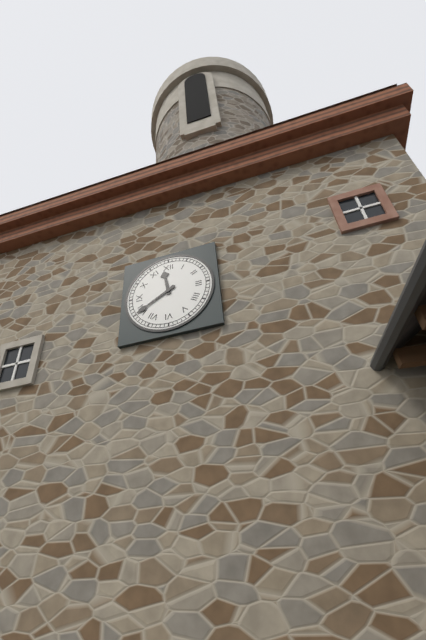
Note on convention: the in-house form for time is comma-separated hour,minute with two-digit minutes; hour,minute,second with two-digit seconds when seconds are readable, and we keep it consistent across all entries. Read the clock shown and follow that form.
11,40
